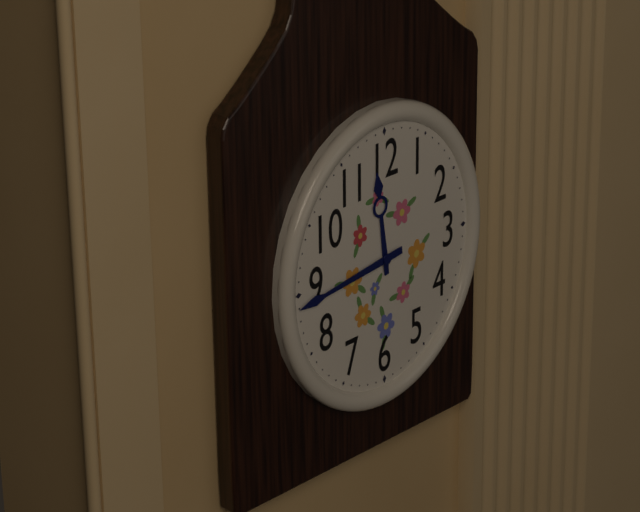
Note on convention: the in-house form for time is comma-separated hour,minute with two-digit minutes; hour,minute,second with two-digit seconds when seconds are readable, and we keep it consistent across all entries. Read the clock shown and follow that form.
11,44
